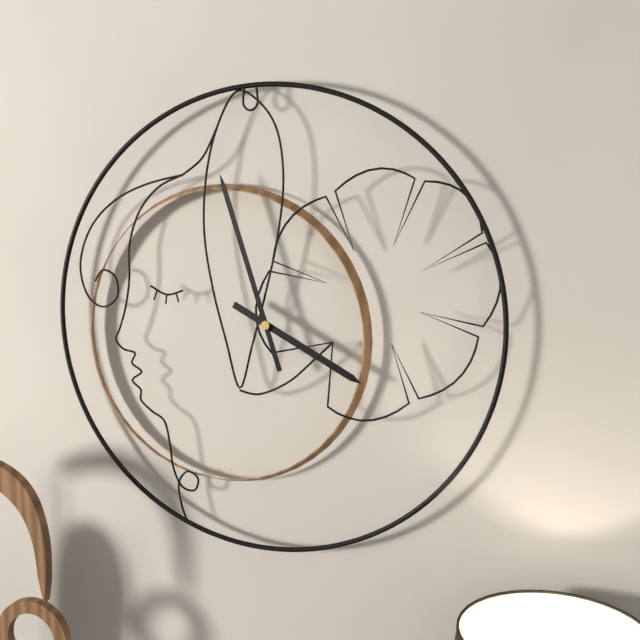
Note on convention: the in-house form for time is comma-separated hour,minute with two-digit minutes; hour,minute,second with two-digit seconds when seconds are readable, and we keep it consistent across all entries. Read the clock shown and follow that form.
3,57
